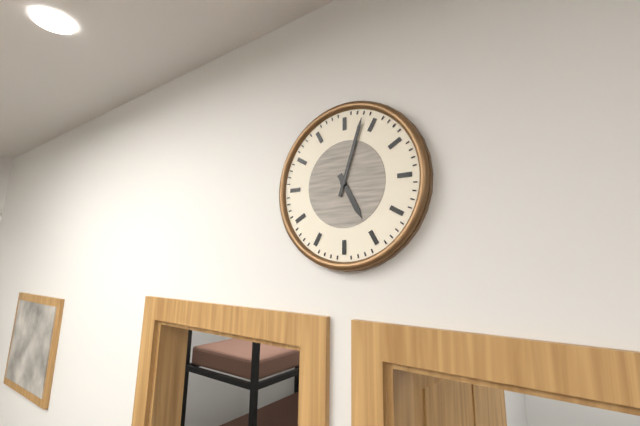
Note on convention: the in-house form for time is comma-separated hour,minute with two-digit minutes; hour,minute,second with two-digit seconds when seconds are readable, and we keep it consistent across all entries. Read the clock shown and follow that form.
5,03
